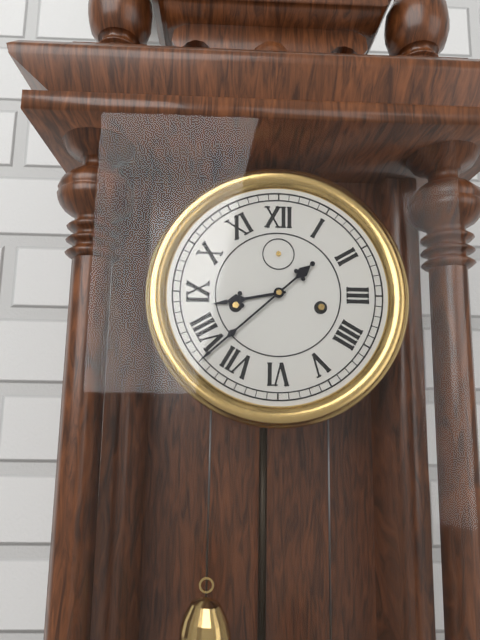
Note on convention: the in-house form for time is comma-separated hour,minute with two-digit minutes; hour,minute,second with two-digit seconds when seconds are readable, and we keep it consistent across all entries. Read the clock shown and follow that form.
8,38
